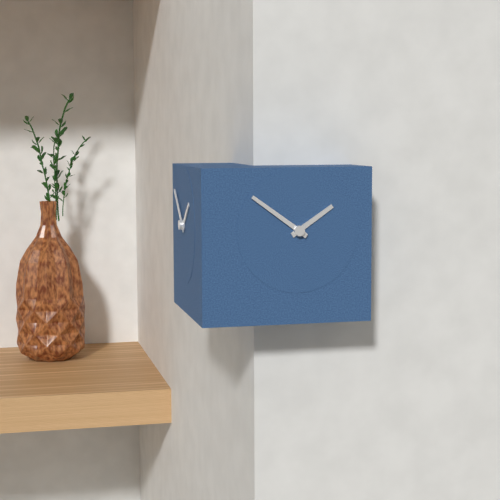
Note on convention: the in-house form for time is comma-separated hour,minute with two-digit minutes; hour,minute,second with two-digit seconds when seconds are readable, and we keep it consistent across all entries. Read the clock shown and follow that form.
1,51
